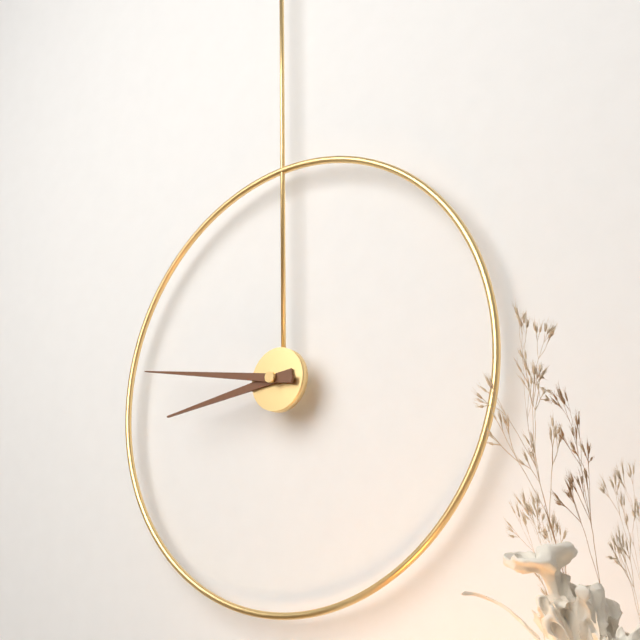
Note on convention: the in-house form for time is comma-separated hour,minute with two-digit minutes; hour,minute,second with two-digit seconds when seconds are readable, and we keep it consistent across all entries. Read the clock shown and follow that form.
8,47
